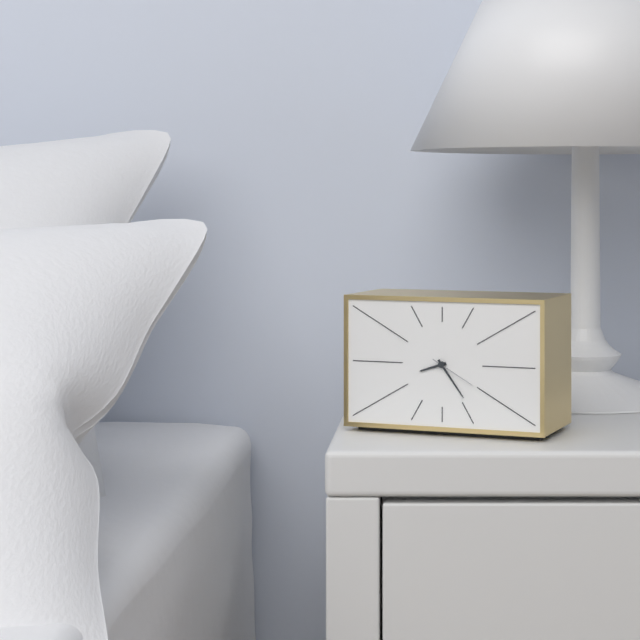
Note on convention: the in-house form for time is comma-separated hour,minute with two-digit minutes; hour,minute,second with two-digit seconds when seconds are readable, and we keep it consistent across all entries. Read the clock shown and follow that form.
8,24
